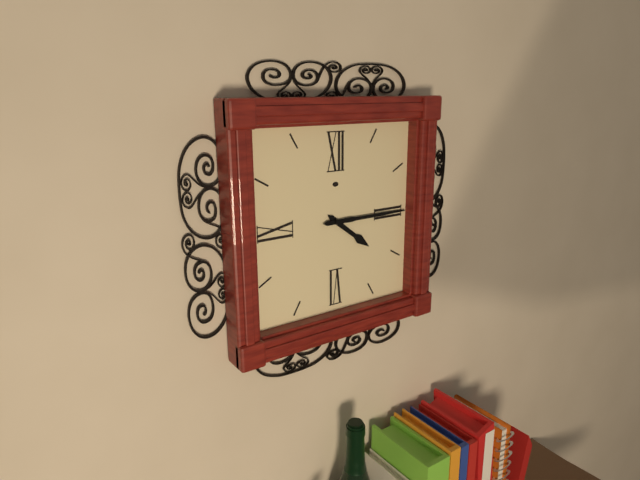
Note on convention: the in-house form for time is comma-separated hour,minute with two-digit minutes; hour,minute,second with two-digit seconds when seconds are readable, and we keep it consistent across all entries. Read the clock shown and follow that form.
4,15
